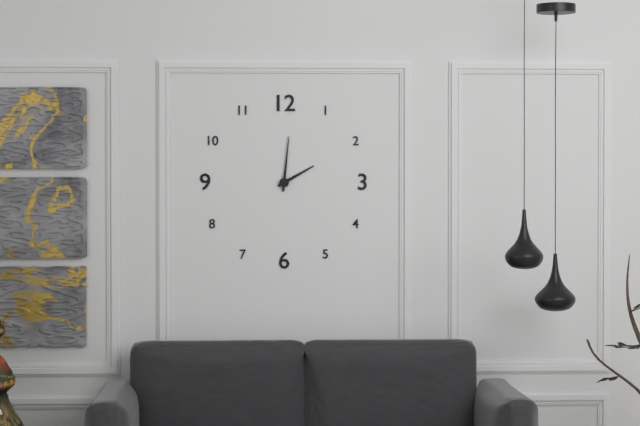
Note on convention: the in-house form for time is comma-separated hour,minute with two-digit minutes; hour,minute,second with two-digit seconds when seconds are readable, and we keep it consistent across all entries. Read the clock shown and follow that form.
2,01
